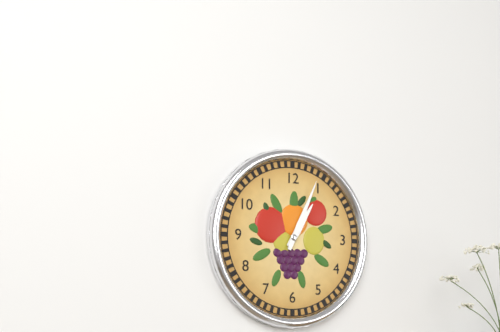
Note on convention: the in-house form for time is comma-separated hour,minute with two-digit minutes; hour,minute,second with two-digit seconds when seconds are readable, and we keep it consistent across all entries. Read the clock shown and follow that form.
1,04
